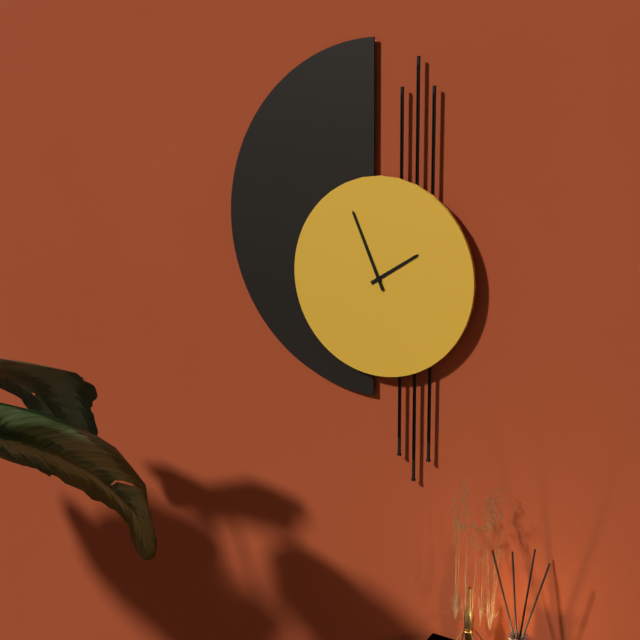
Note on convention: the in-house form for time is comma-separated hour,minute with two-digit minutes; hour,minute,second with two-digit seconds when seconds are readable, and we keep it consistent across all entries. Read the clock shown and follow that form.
1,56
